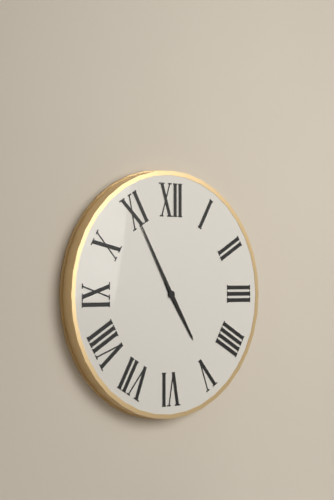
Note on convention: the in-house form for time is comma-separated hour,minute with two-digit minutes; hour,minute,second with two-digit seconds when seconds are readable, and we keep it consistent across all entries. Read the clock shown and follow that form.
4,55
